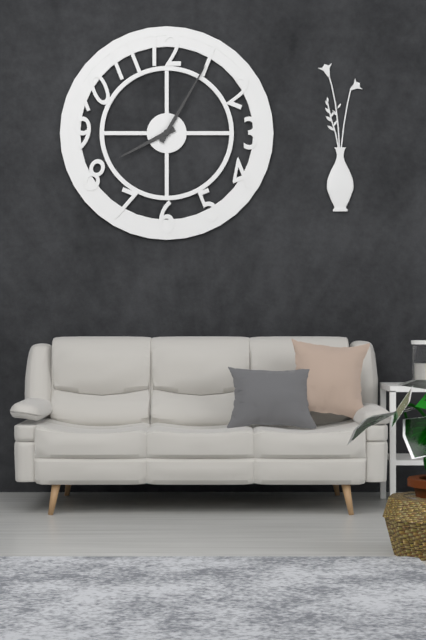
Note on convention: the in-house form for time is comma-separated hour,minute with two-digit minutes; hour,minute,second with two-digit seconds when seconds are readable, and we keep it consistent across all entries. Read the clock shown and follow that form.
8,05
